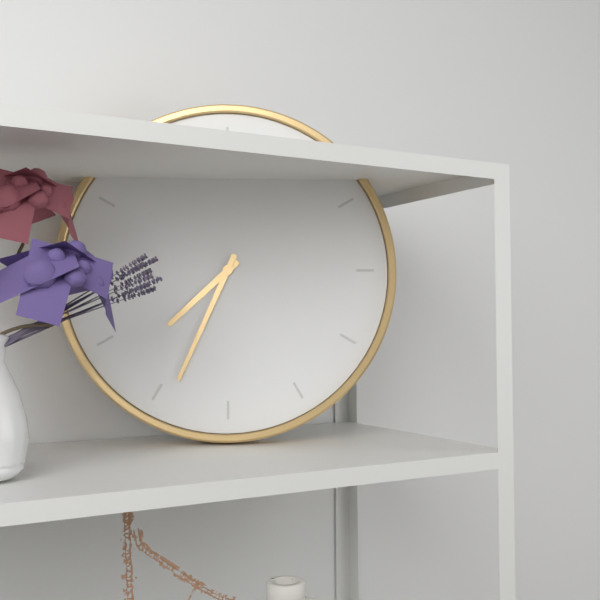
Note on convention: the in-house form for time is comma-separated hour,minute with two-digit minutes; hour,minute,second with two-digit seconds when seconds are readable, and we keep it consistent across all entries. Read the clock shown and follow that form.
7,34
